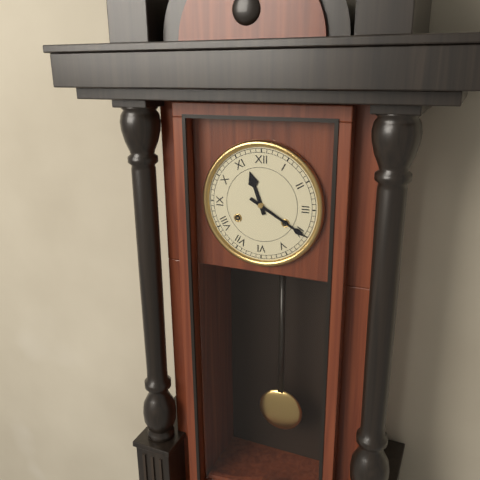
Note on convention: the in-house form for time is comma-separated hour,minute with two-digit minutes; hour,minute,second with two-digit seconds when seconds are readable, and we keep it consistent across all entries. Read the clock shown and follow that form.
11,20
